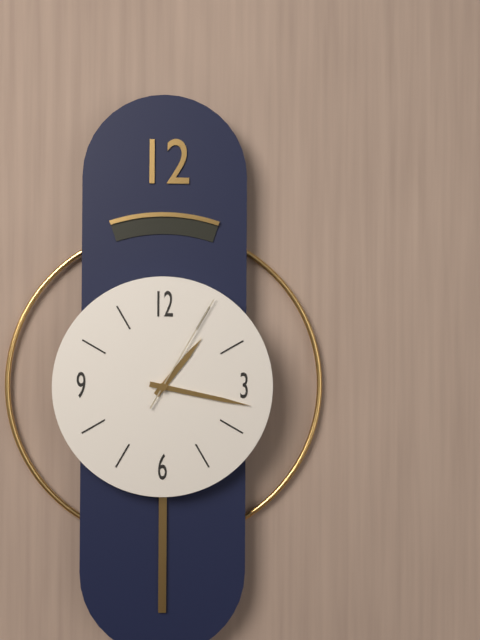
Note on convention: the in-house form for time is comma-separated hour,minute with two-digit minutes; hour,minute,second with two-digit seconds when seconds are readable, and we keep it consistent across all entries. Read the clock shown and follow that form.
1,17,05
